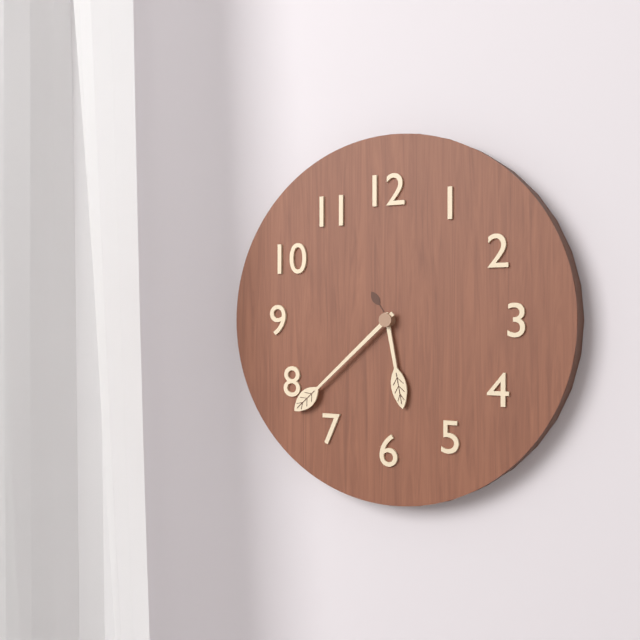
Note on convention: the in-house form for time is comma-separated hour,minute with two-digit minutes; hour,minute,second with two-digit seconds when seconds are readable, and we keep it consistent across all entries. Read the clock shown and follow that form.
5,38
